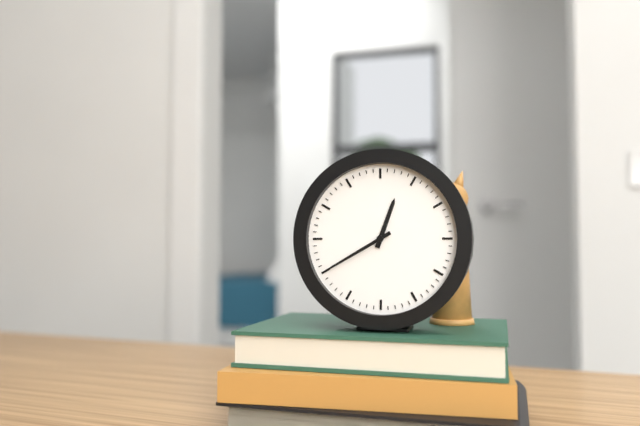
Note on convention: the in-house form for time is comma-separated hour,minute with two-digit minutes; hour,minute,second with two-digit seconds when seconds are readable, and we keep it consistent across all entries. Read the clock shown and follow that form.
12,40
